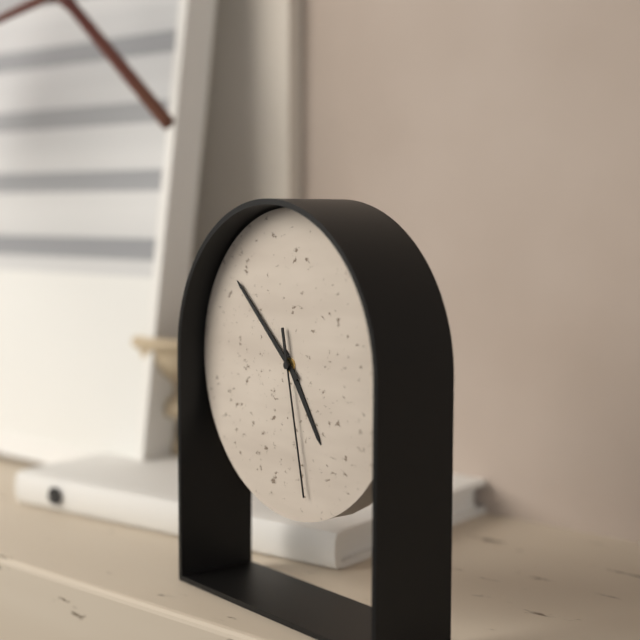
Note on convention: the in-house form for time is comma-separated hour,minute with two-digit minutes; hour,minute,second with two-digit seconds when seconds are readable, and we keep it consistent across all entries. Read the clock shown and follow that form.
4,52,28
